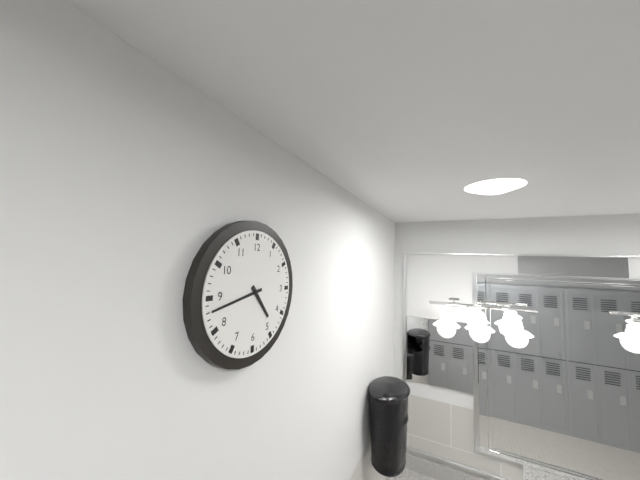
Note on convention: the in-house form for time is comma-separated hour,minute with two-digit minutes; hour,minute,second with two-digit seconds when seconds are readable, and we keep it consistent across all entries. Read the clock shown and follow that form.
4,43
